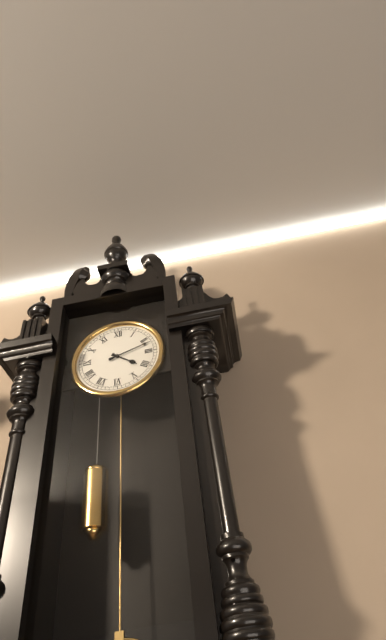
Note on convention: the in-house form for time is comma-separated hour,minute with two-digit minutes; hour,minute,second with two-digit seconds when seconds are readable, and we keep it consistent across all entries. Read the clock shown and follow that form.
4,12
